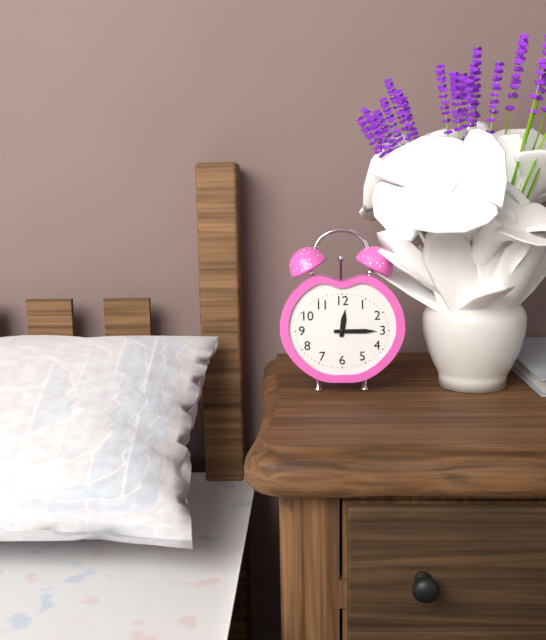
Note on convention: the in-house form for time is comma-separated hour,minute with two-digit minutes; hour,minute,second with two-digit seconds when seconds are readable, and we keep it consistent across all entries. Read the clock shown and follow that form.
12,15
